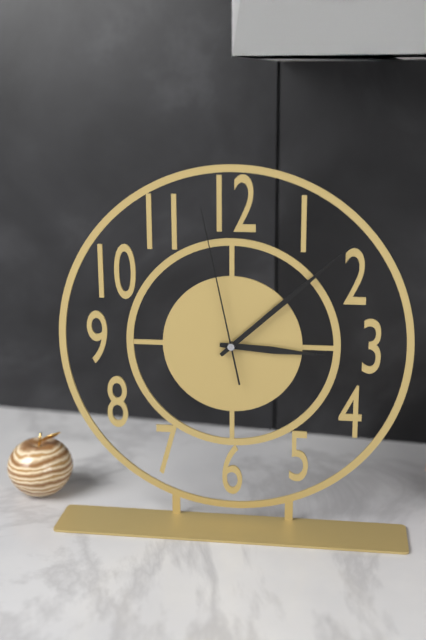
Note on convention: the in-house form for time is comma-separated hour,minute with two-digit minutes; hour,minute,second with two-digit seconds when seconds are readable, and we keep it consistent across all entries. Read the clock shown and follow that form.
3,08,58
